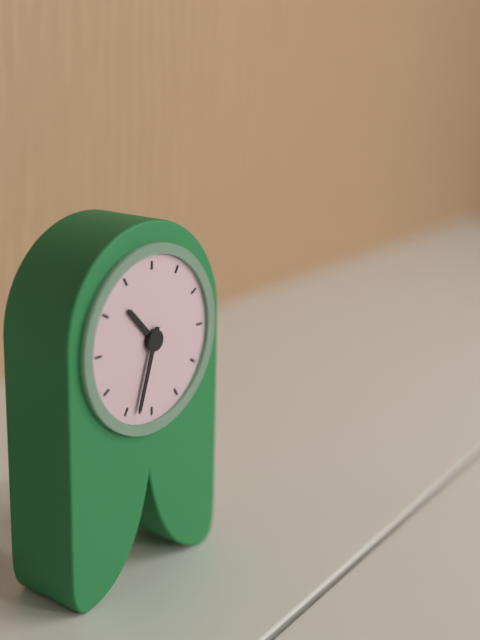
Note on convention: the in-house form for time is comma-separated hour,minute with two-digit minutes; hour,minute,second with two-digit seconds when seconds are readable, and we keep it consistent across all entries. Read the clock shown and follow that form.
10,33
